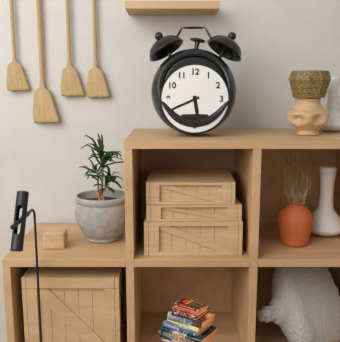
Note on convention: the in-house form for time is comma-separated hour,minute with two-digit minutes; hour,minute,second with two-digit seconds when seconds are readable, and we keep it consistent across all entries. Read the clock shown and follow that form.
5,41
